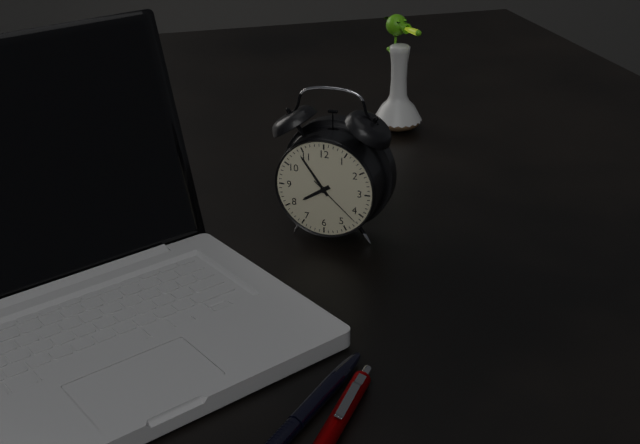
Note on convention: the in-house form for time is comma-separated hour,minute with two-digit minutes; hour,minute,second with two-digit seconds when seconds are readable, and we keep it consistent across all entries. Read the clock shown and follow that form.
7,54,22
